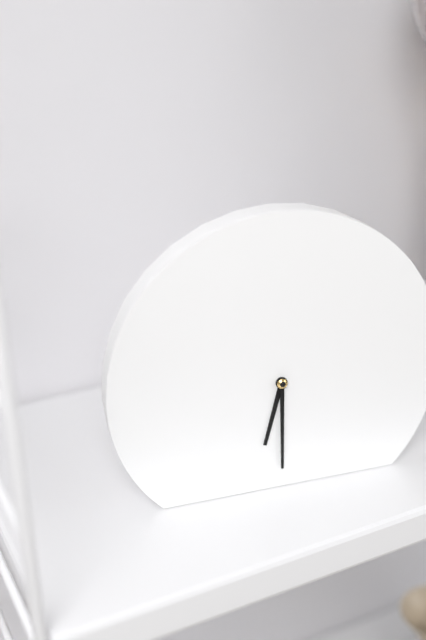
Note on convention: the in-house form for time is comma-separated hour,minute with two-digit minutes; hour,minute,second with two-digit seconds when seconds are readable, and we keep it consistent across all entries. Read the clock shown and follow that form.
6,30
